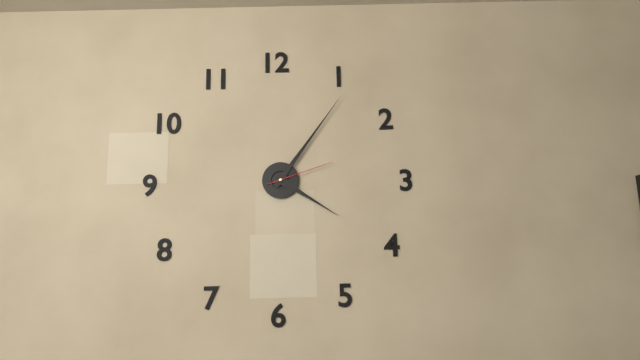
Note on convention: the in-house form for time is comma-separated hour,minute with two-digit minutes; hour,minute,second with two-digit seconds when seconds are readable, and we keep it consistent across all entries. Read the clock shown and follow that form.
4,06,12
